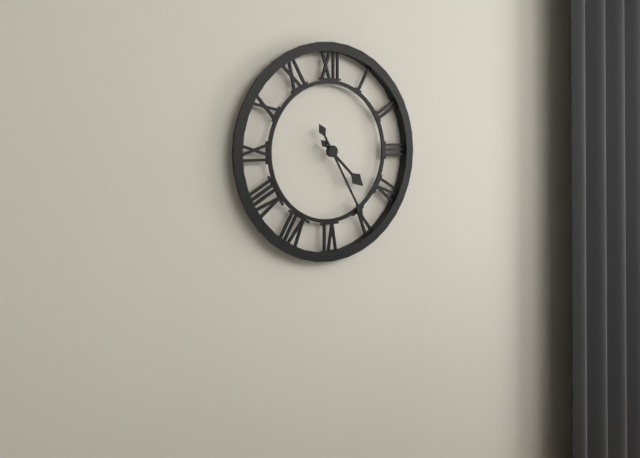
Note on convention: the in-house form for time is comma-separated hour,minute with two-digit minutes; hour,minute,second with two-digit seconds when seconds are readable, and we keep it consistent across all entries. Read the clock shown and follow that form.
4,25
